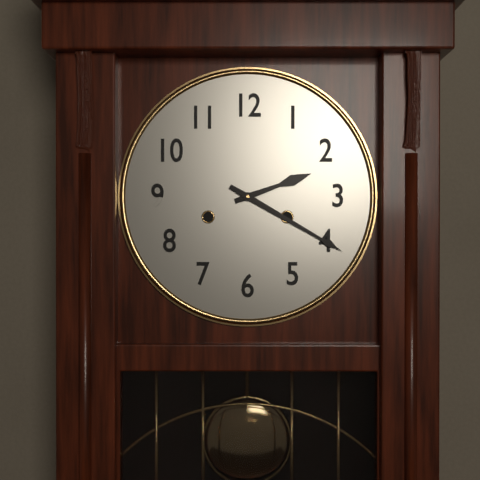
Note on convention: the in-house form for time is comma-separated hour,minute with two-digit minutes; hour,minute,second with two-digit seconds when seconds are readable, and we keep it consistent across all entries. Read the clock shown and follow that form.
2,20
